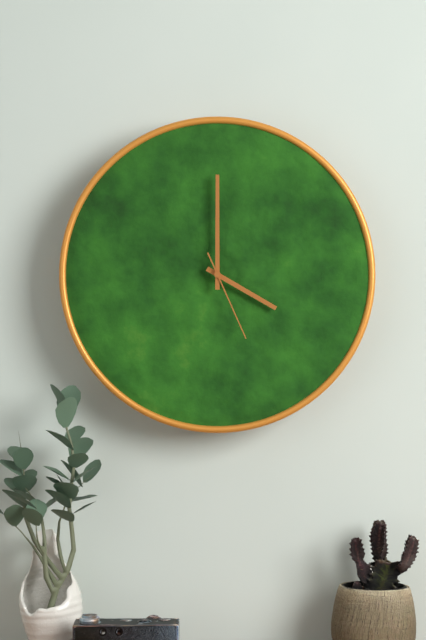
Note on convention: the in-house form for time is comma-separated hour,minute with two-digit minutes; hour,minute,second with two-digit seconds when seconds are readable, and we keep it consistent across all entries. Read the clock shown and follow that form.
4,00,26
